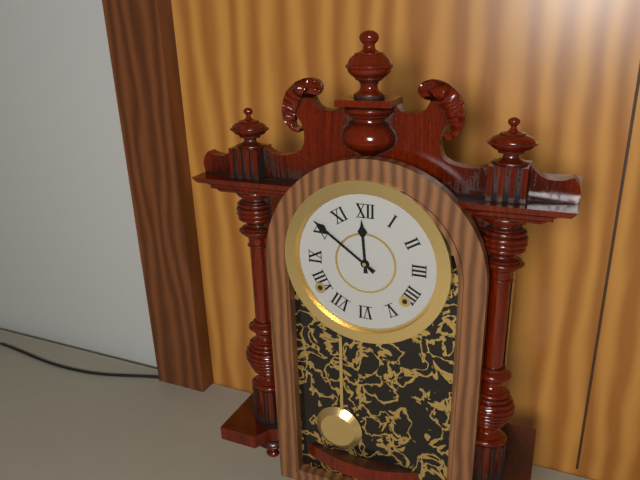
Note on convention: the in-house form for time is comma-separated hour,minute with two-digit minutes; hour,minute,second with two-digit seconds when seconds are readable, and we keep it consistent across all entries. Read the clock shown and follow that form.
11,51
